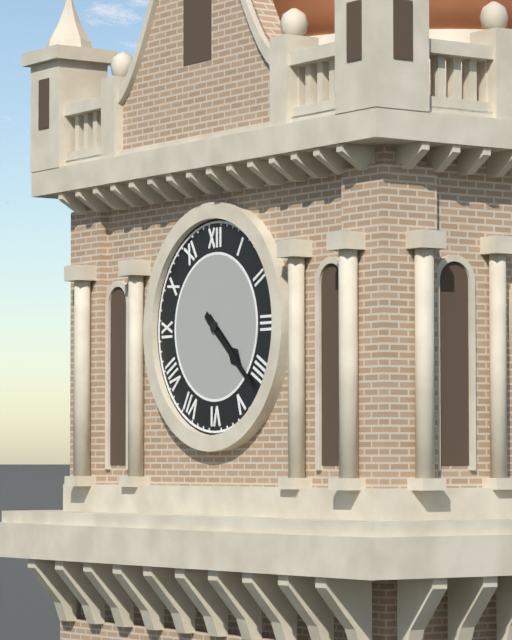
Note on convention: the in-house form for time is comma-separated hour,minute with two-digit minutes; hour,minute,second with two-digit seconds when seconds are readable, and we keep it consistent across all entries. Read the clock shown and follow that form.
4,22
